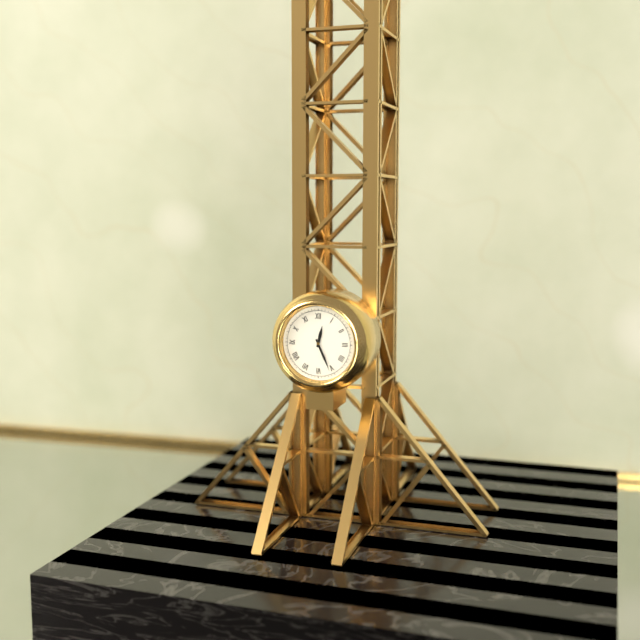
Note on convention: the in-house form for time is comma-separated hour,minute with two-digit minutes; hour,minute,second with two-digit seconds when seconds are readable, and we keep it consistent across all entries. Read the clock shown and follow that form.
12,26
